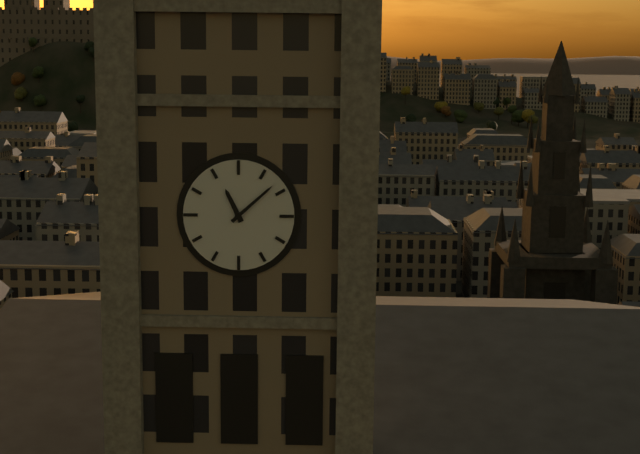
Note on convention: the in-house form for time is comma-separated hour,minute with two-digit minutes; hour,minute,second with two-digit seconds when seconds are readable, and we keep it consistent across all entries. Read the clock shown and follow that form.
11,08
